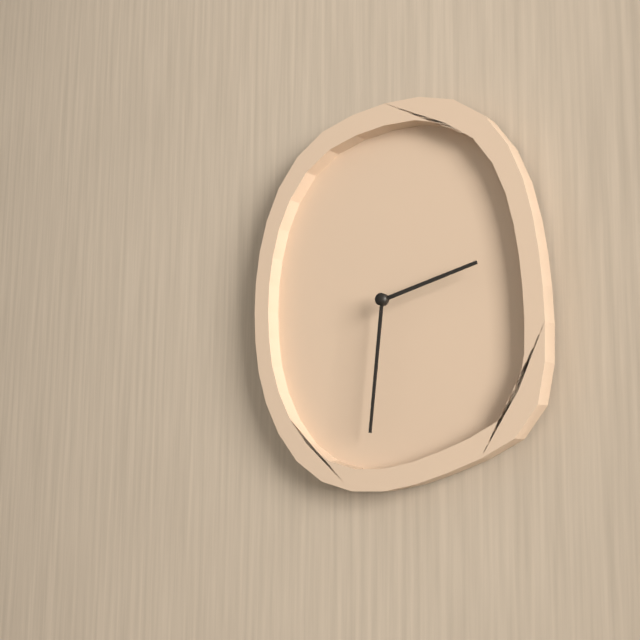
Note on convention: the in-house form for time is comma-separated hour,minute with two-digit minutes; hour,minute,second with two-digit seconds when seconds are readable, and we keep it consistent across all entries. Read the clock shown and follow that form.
2,31
